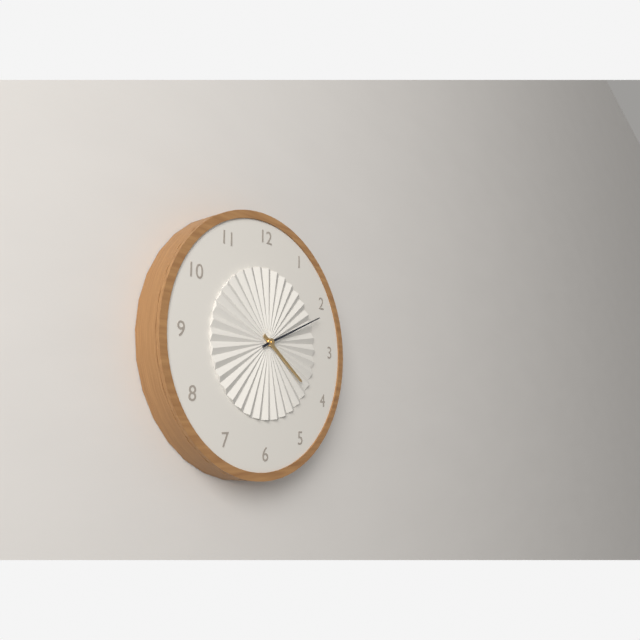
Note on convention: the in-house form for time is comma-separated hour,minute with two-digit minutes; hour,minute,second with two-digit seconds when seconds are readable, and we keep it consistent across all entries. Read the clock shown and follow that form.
4,11
